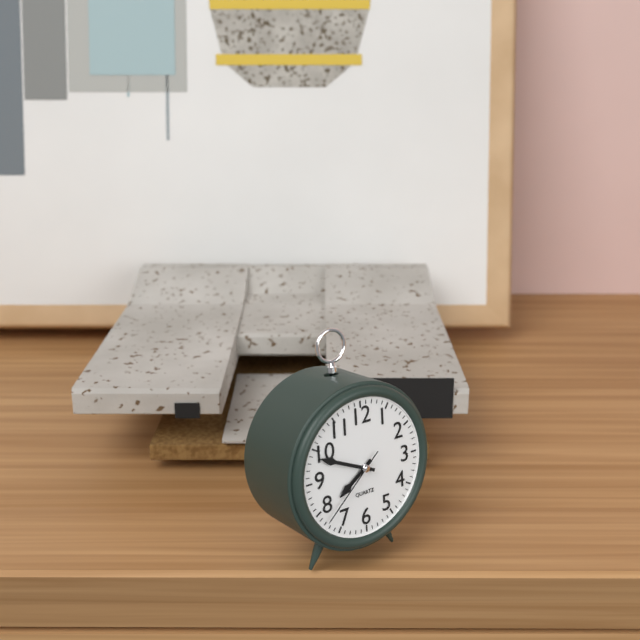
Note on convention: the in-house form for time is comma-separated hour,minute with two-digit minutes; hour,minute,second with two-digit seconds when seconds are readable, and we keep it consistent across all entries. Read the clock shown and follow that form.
7,49,38
